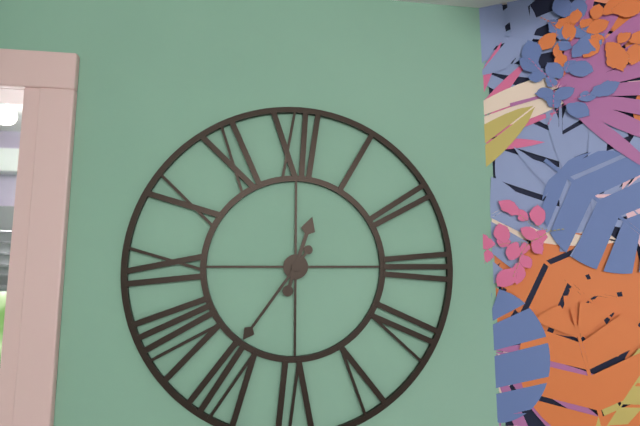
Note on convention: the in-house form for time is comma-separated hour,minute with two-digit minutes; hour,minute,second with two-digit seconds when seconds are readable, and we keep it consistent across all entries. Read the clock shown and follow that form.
12,36
